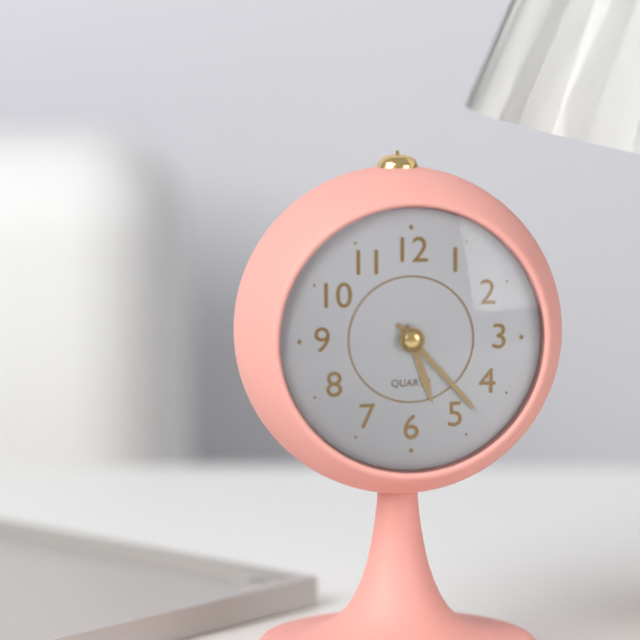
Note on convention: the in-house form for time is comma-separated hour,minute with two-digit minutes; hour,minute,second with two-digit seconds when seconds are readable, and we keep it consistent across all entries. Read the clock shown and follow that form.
5,23
